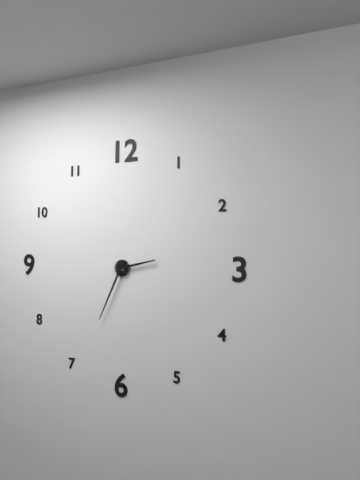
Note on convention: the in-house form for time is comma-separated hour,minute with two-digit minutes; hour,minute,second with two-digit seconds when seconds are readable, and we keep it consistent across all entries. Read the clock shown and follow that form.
2,34
